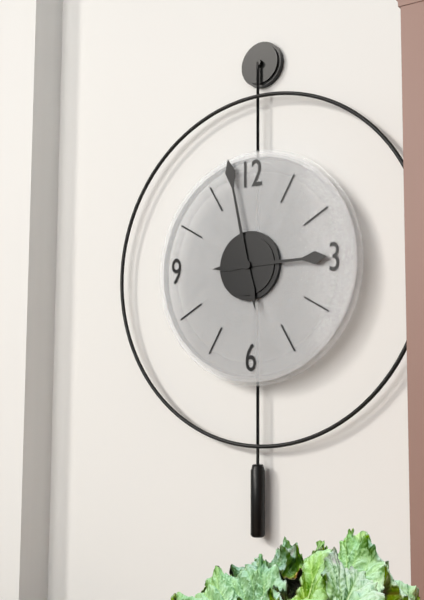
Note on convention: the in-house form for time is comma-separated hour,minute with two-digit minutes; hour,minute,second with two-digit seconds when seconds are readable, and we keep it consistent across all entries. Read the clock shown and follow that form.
2,58
